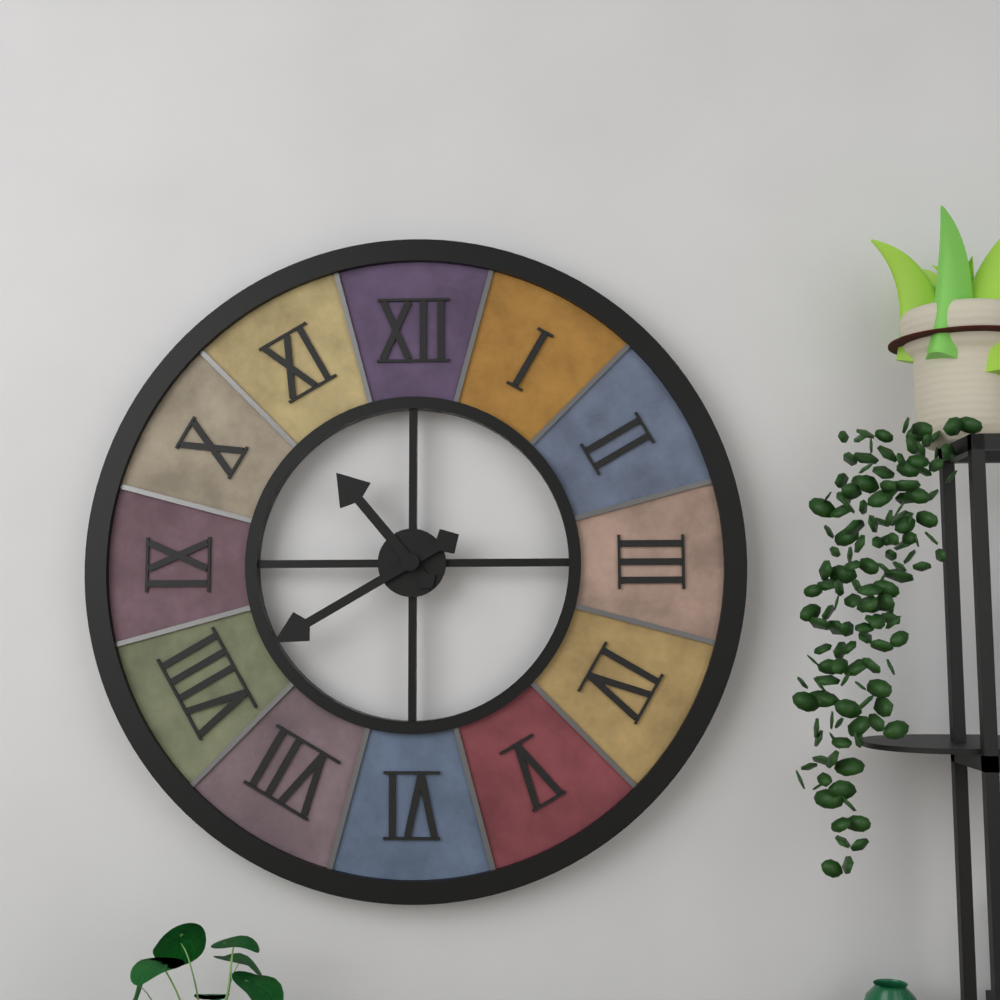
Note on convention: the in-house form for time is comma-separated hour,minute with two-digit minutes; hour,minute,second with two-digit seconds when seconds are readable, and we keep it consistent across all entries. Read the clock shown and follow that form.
10,40
